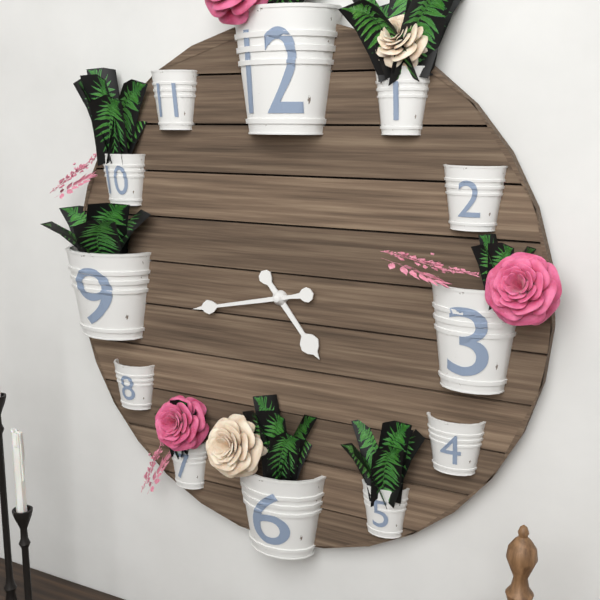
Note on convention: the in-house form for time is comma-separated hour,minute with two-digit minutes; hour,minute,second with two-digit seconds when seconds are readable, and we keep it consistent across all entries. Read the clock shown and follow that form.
4,43
